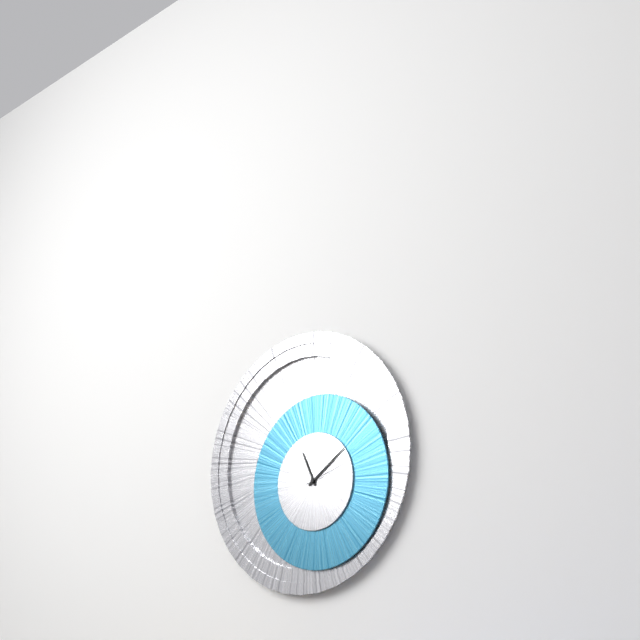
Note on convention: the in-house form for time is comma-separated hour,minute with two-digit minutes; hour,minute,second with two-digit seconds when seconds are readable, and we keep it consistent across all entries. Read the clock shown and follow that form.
11,09
